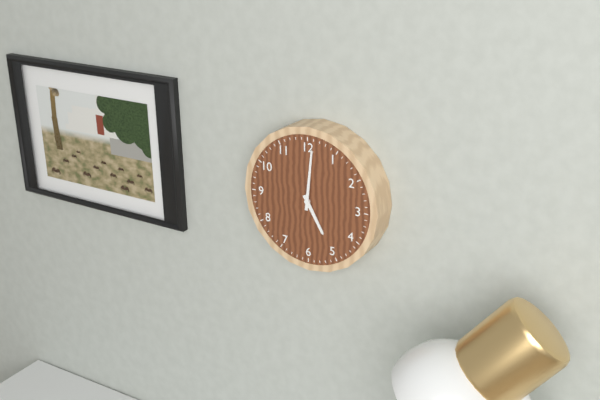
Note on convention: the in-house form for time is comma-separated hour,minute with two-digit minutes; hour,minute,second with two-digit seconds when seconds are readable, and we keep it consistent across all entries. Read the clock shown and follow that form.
5,01
